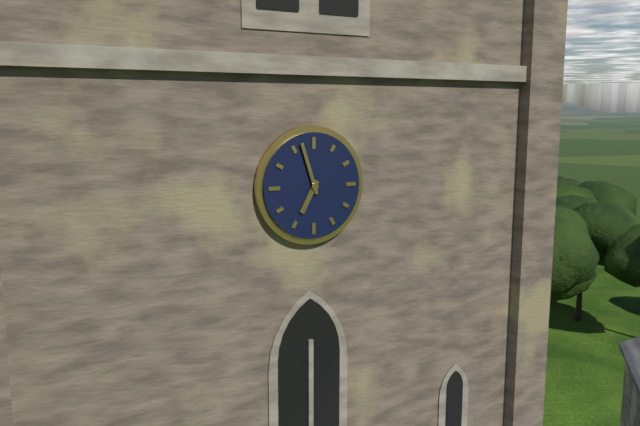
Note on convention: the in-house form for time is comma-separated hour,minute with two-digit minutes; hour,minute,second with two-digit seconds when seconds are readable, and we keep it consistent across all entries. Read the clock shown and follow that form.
6,57
